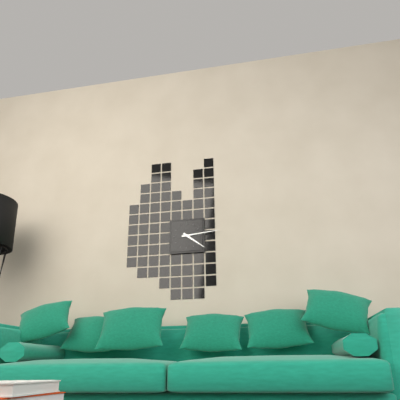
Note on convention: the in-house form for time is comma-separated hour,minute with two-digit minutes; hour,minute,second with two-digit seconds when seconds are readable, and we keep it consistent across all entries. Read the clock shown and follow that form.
4,14
